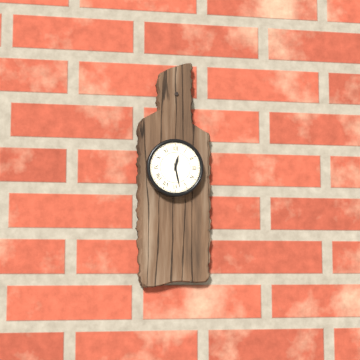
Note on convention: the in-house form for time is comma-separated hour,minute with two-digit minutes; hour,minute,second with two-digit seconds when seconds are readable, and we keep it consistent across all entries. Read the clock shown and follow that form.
12,28
